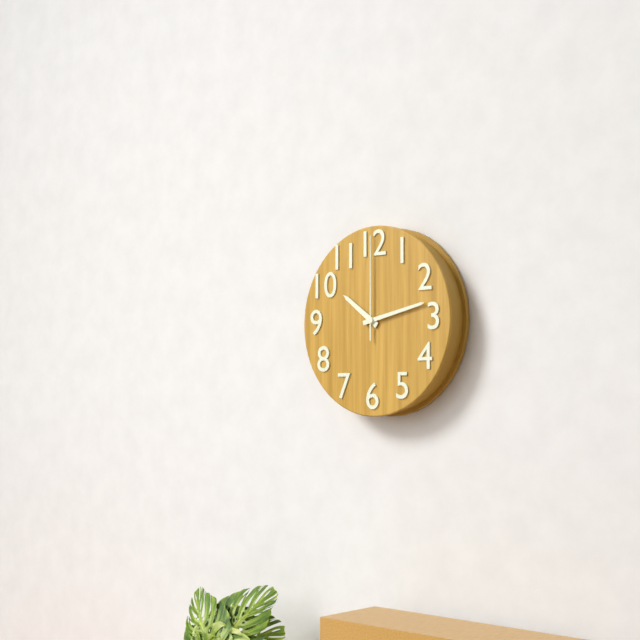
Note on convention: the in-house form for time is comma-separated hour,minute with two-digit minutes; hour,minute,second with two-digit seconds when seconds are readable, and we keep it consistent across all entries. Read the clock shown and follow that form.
10,13,00
